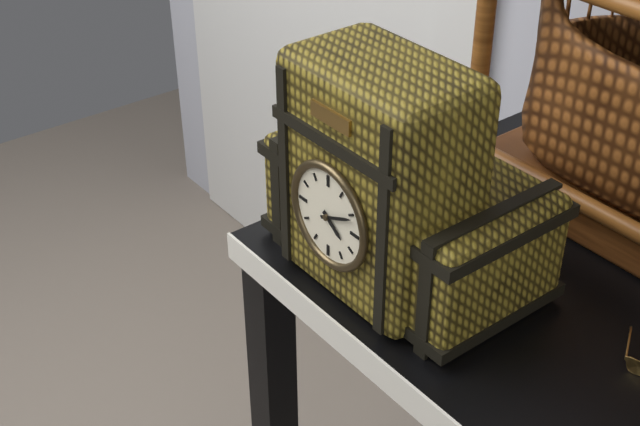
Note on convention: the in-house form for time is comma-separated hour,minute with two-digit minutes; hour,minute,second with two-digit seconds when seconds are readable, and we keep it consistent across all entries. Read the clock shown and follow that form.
4,11
